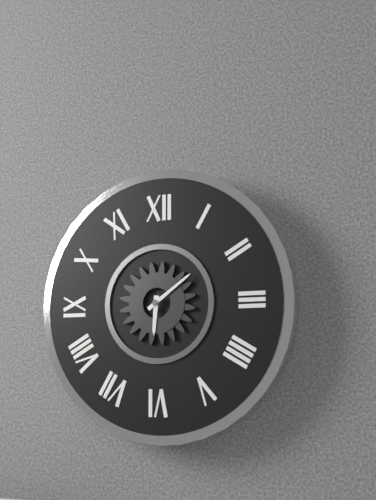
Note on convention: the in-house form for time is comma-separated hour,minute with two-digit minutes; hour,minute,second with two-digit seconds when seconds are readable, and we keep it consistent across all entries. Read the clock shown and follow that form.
6,09
